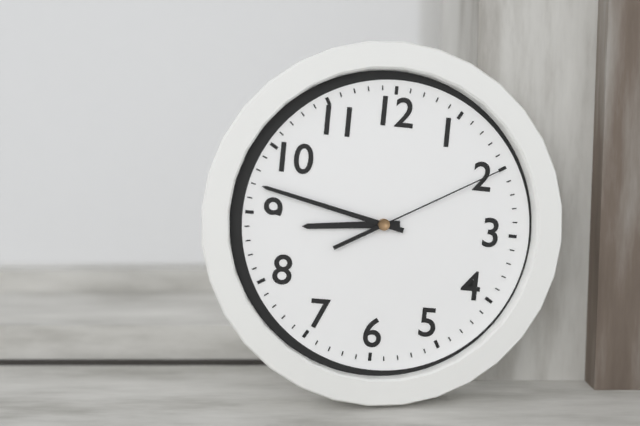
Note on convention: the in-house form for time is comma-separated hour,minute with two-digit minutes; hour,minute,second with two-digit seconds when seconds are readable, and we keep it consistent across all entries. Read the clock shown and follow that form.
8,47,10
